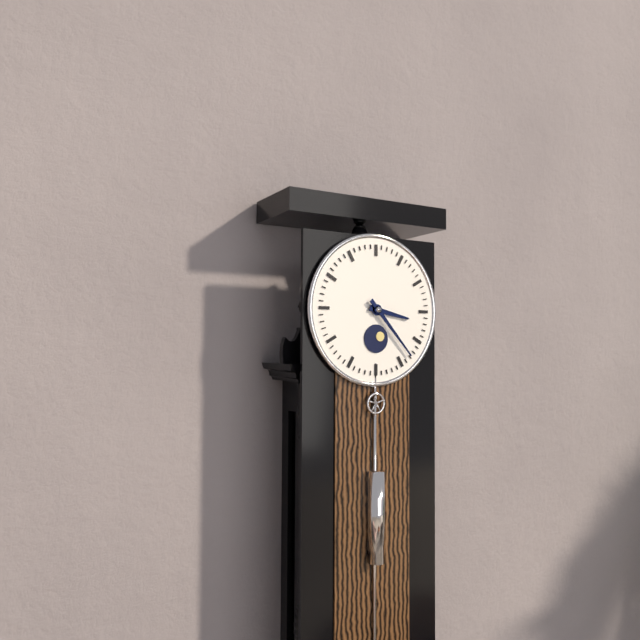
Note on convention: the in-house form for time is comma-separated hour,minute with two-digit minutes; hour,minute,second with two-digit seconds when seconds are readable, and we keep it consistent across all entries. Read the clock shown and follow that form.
3,23
